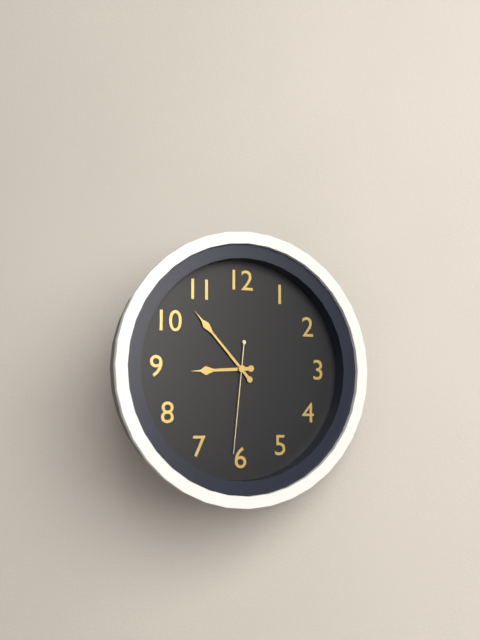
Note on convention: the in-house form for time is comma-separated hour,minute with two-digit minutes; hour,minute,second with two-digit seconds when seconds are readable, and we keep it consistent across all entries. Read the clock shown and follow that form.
8,53,31
